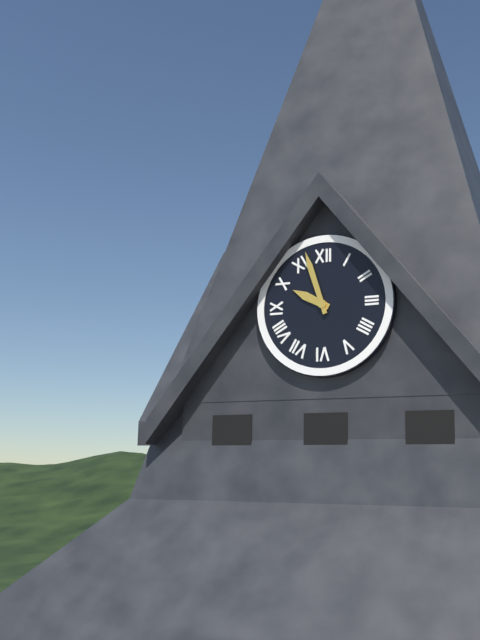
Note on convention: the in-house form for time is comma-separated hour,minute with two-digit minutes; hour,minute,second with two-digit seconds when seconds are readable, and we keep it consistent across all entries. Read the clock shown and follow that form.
9,57
